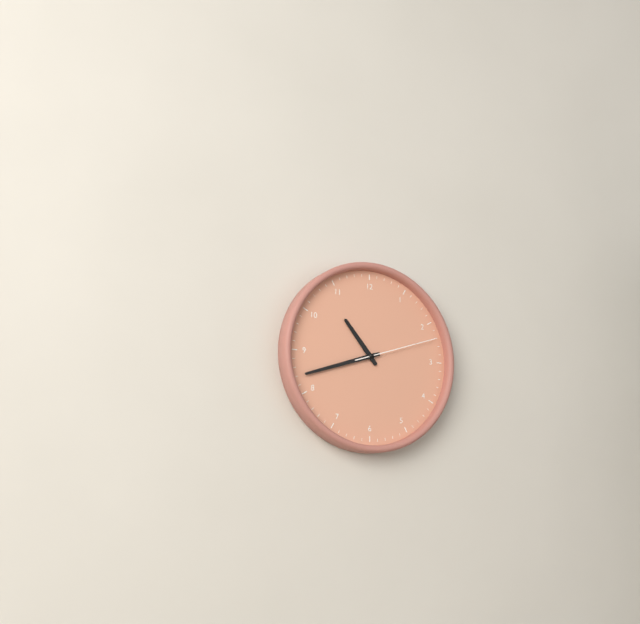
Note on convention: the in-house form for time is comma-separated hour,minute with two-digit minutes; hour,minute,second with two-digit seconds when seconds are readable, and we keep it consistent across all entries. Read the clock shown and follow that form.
10,42,12
